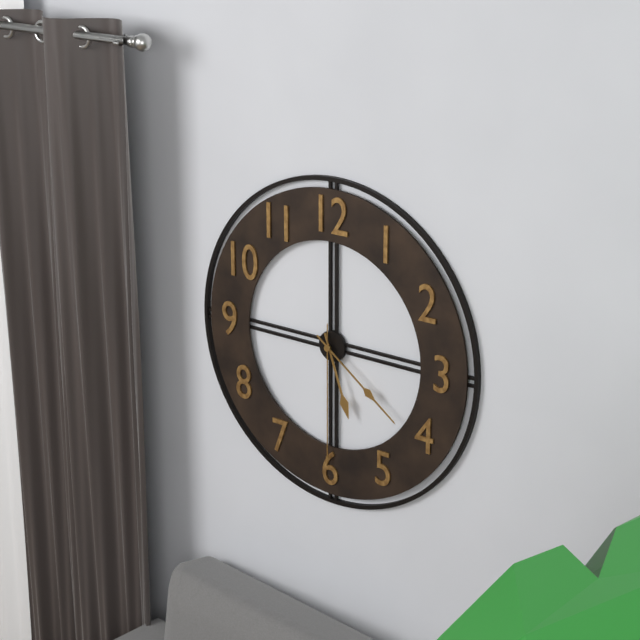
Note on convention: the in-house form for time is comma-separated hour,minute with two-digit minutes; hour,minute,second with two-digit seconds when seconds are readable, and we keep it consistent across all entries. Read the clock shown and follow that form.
5,21,30
